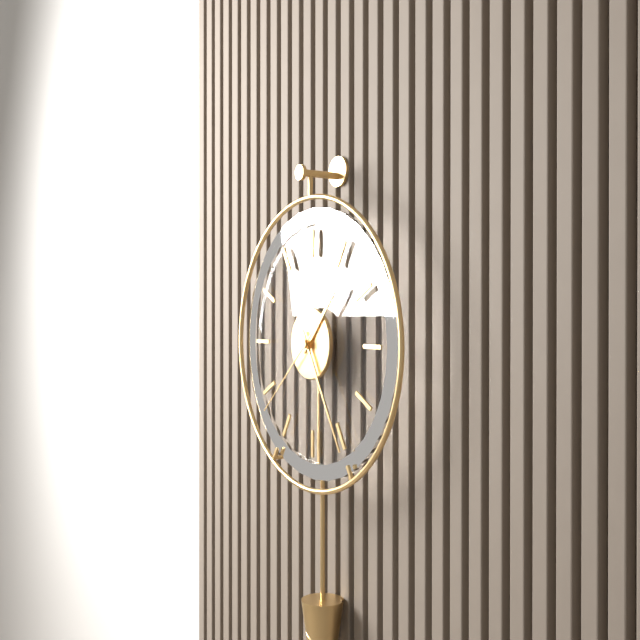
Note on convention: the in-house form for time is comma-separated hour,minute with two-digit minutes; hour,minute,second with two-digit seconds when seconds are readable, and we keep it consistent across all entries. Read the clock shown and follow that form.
1,25,38
